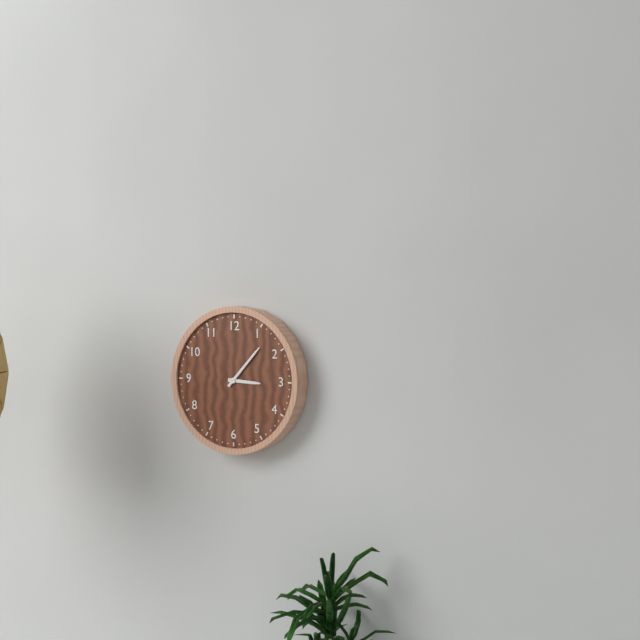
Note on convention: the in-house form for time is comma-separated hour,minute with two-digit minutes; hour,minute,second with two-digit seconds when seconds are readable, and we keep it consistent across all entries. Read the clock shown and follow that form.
3,07
